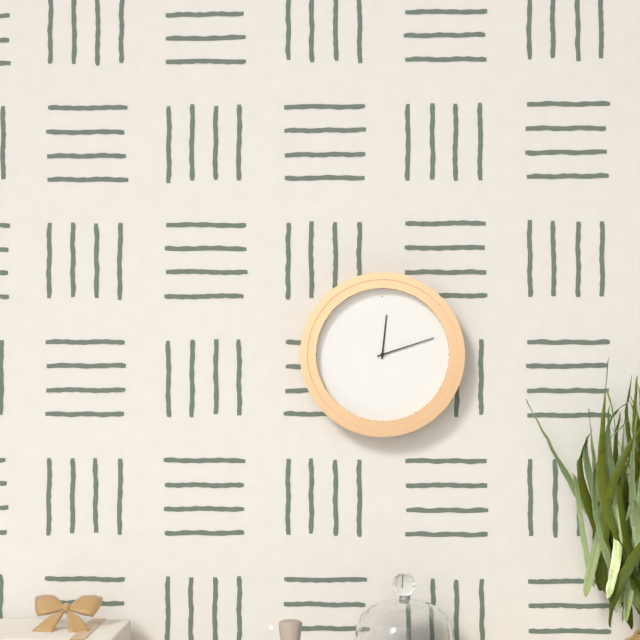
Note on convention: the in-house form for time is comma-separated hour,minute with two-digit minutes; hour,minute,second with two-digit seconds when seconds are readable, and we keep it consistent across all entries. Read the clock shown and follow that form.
12,12
